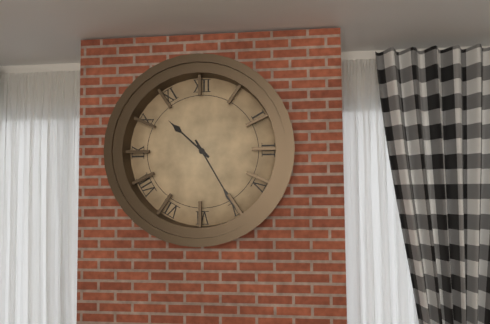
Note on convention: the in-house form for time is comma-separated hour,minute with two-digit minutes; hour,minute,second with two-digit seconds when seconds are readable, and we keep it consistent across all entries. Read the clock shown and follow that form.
10,25
